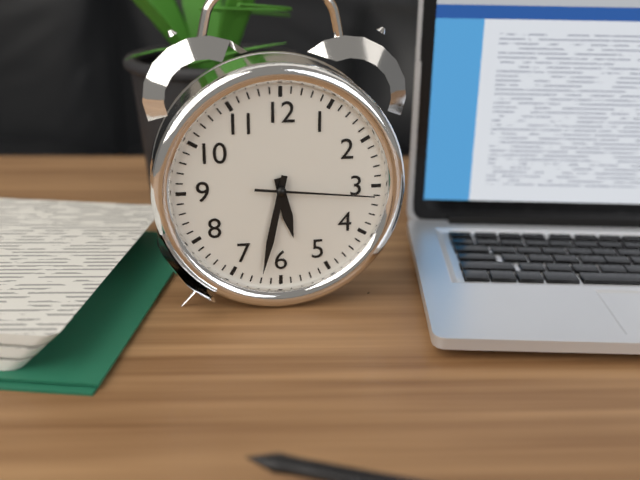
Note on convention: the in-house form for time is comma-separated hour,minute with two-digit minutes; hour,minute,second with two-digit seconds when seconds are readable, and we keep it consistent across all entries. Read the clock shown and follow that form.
5,32,16
